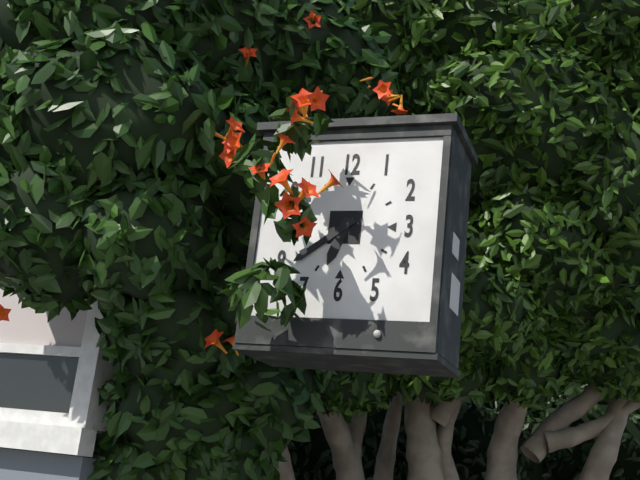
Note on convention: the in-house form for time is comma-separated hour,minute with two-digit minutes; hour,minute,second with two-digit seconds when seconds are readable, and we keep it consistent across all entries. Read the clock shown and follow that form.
6,39
